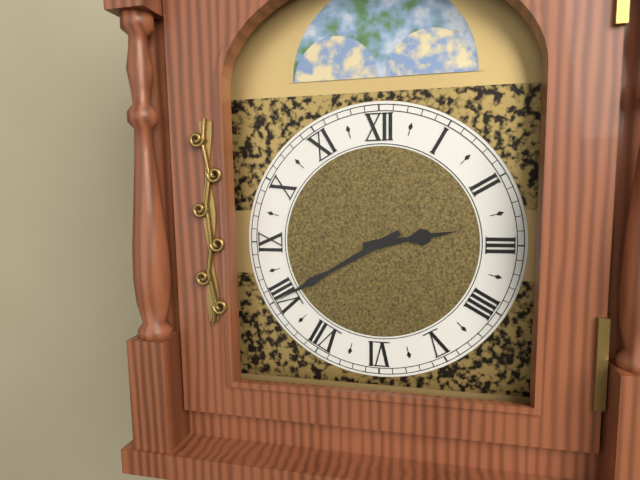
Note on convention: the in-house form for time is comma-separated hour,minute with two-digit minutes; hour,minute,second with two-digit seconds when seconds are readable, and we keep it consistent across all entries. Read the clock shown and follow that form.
2,40
